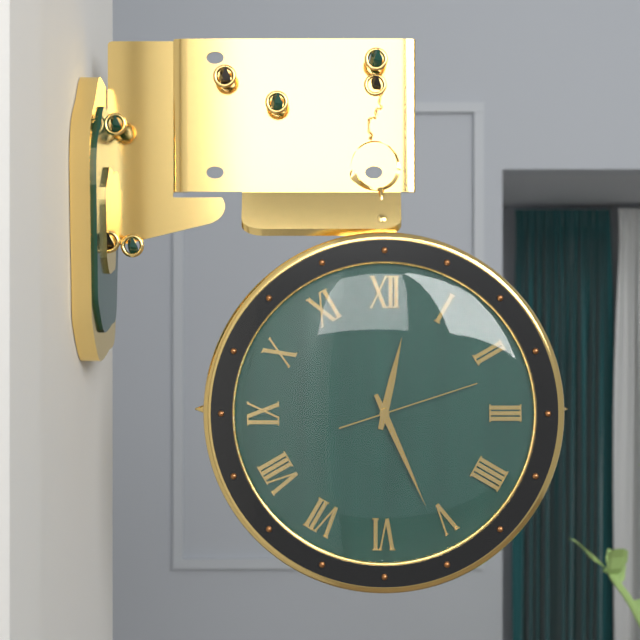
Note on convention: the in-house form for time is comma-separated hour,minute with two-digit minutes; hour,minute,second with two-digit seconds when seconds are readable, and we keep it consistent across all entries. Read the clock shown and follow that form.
12,26,12
